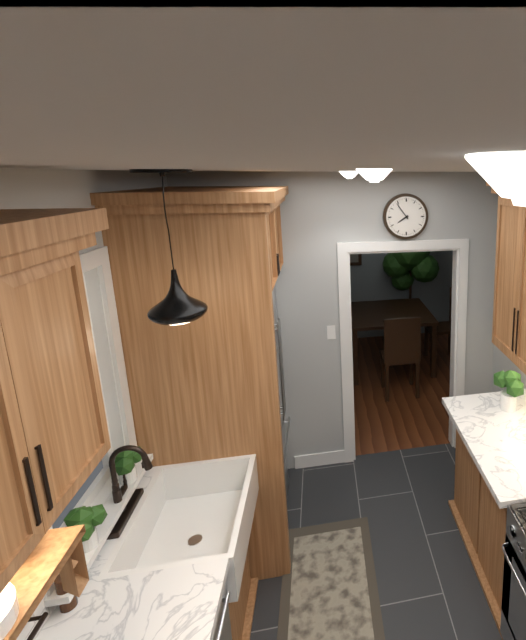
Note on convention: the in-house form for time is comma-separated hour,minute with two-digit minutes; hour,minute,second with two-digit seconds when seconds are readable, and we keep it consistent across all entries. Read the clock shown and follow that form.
7,54
